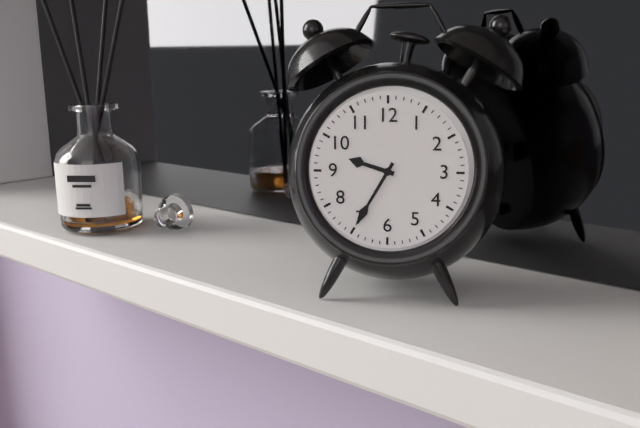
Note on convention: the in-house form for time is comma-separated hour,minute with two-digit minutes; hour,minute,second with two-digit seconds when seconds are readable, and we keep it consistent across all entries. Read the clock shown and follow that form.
9,35
